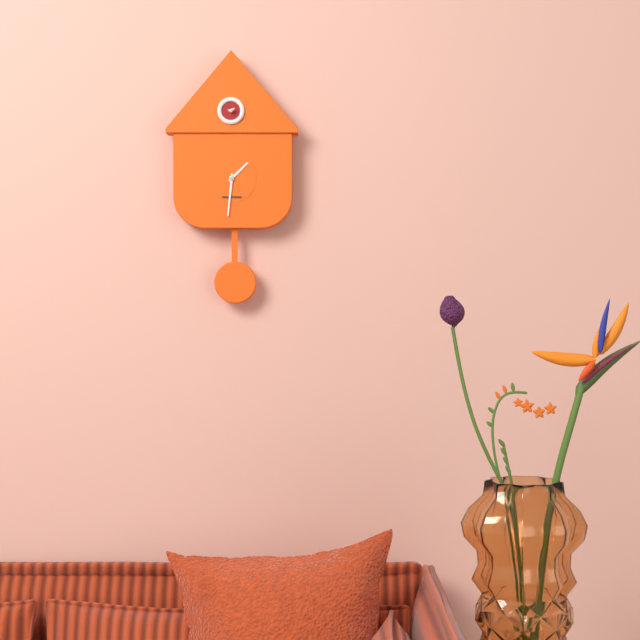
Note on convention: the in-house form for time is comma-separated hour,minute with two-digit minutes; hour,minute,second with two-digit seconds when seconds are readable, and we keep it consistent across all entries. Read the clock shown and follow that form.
1,31
